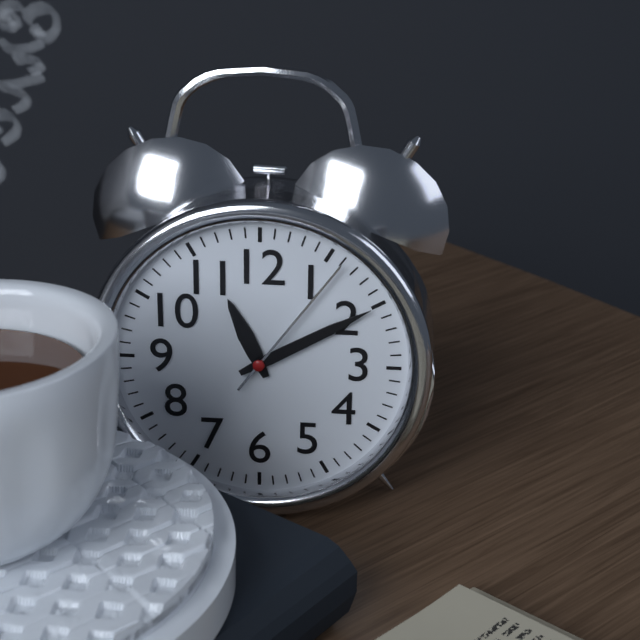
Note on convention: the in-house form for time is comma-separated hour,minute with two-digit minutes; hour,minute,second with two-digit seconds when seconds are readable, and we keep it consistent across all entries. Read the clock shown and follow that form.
11,10,06
